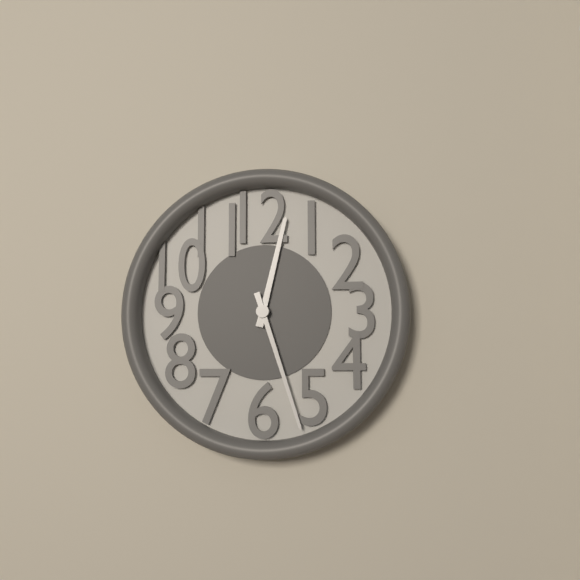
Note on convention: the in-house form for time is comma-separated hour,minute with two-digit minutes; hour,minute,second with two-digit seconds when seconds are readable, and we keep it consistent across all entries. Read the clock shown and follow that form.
12,27
